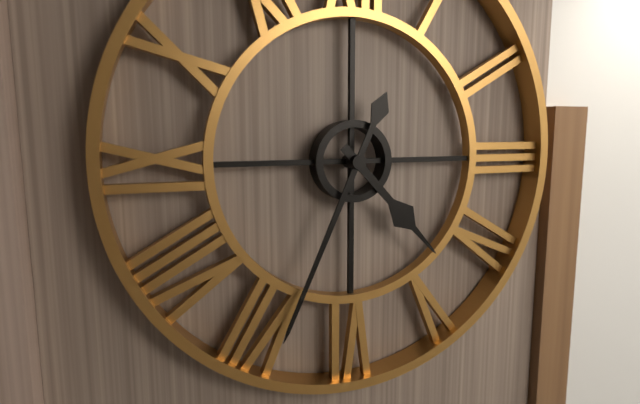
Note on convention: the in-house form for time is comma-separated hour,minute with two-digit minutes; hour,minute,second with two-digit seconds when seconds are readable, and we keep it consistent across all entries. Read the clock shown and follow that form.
4,34
